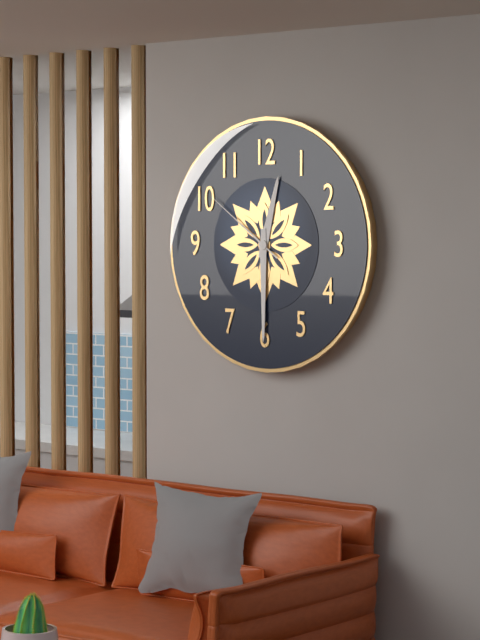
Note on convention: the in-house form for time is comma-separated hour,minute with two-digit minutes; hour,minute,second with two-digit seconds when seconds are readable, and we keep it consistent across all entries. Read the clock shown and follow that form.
12,30,51
